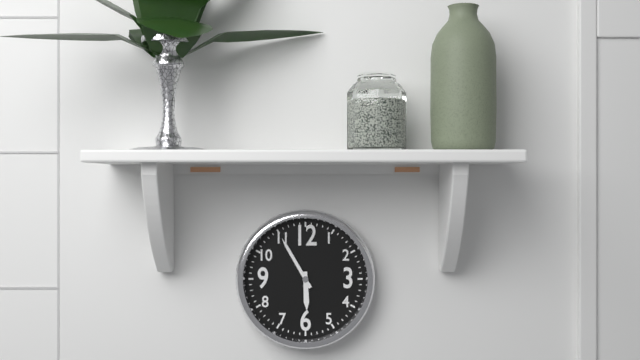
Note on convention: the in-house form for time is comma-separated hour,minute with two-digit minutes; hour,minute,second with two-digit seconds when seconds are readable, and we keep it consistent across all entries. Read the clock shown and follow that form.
5,55
